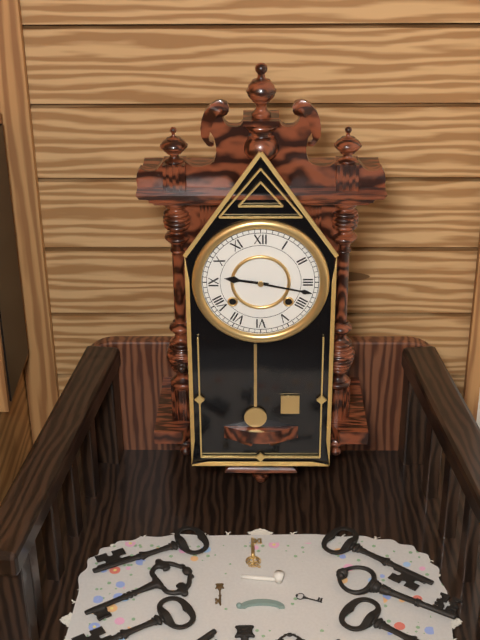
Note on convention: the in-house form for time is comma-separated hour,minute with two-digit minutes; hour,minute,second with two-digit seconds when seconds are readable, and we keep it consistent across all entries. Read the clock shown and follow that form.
9,17
